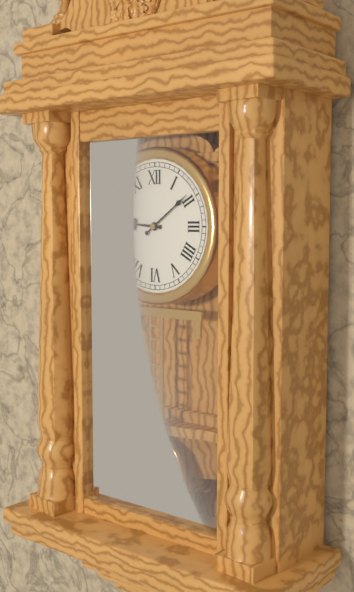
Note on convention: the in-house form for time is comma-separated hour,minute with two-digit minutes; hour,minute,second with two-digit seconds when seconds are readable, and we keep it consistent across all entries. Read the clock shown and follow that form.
9,09
